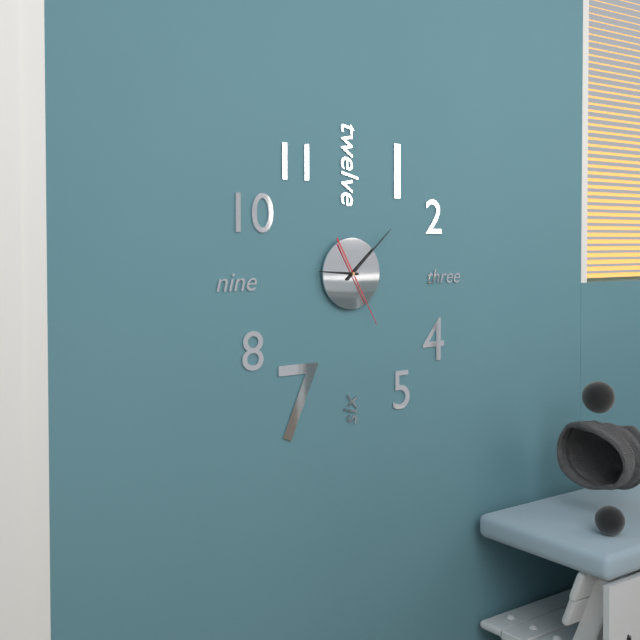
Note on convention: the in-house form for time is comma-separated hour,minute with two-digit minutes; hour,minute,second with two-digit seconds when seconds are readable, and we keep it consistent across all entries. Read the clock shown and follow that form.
9,08,25
